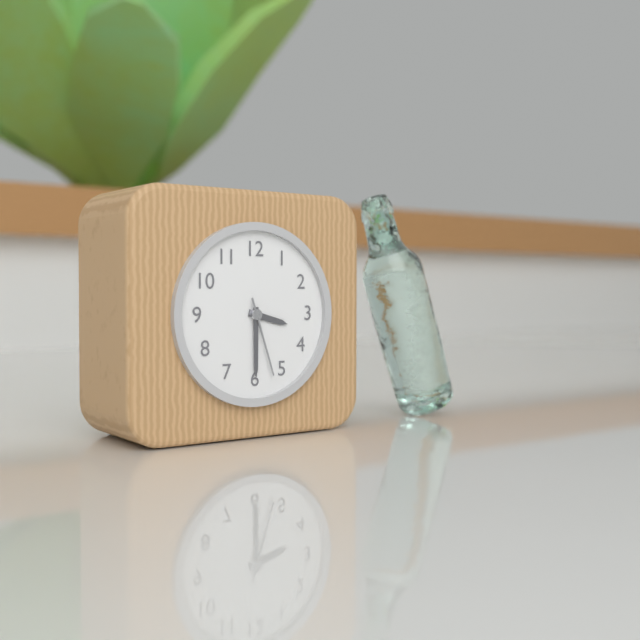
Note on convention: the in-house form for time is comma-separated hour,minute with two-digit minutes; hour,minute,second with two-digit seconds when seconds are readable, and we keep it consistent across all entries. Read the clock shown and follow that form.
3,30,27
